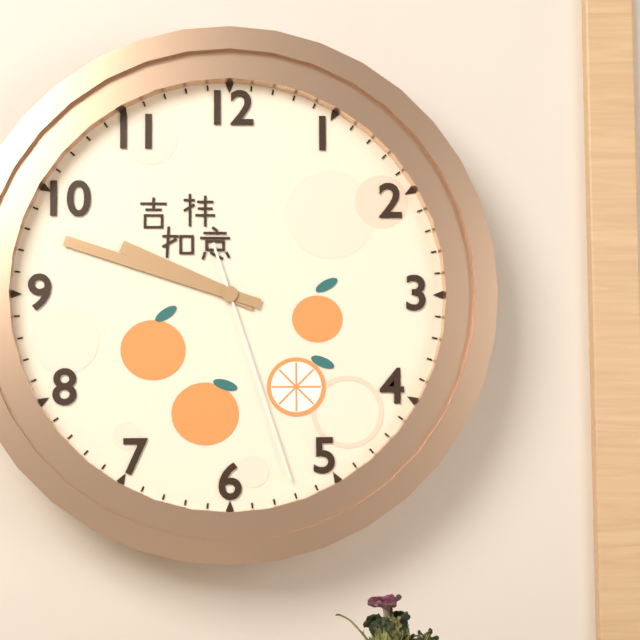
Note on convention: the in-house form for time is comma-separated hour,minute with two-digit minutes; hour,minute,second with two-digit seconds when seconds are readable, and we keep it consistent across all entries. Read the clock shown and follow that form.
9,48,27
